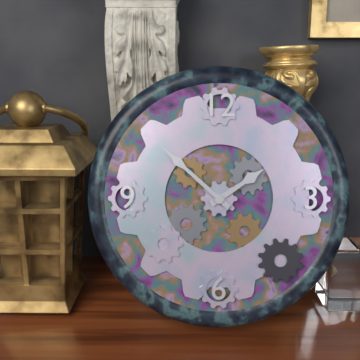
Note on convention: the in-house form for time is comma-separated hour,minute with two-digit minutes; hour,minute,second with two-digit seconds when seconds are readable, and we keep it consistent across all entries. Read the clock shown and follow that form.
1,52
